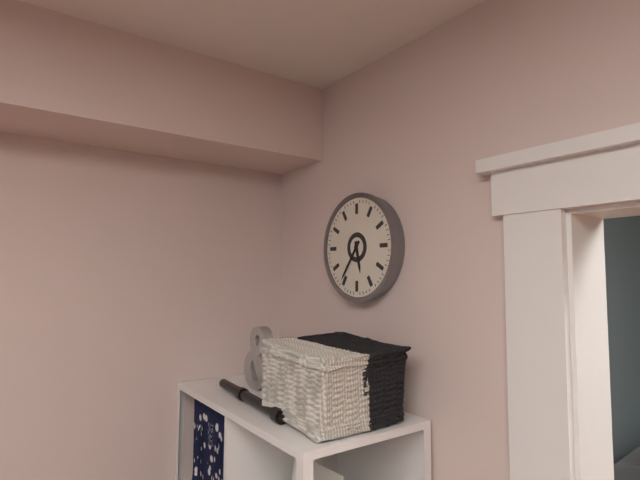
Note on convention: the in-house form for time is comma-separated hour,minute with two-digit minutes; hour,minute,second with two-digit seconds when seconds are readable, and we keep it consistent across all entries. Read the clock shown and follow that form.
5,36
